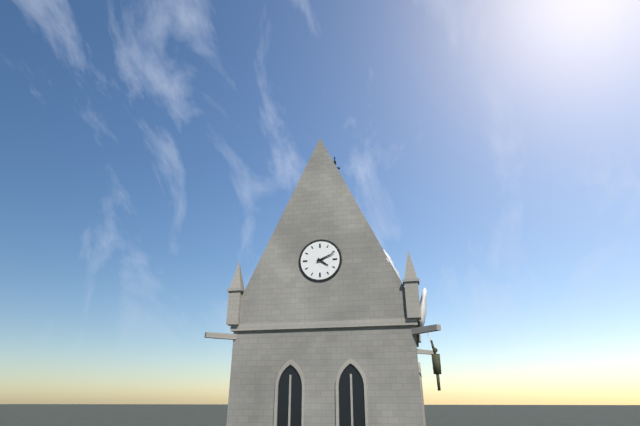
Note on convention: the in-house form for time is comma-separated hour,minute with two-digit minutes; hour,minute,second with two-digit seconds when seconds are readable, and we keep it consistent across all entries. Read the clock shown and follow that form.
4,11
